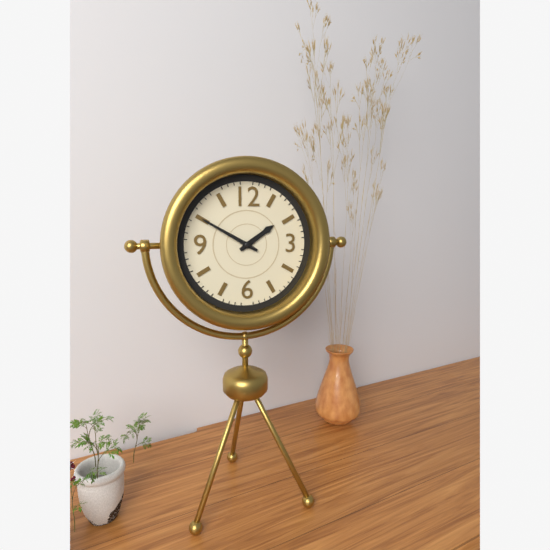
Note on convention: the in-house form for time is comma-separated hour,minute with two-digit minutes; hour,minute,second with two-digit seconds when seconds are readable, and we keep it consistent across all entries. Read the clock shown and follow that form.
1,50
